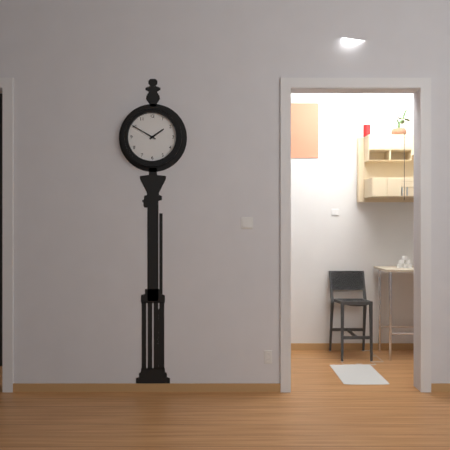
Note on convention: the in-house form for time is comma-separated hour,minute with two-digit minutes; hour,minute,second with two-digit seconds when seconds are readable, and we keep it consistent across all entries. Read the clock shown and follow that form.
1,50
